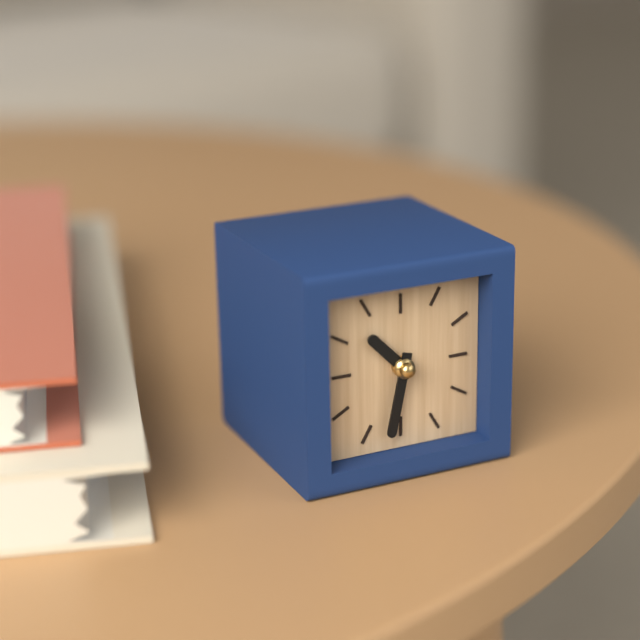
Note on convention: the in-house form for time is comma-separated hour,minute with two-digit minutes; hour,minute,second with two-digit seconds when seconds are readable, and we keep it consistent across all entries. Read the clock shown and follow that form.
10,32
